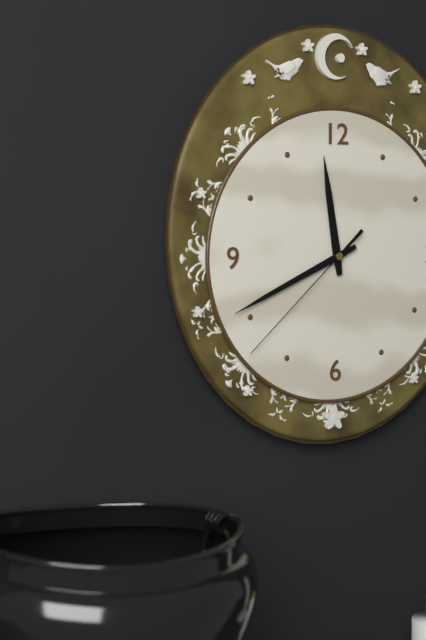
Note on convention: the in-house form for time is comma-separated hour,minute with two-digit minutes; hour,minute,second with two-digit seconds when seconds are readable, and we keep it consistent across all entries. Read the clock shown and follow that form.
11,41,38
